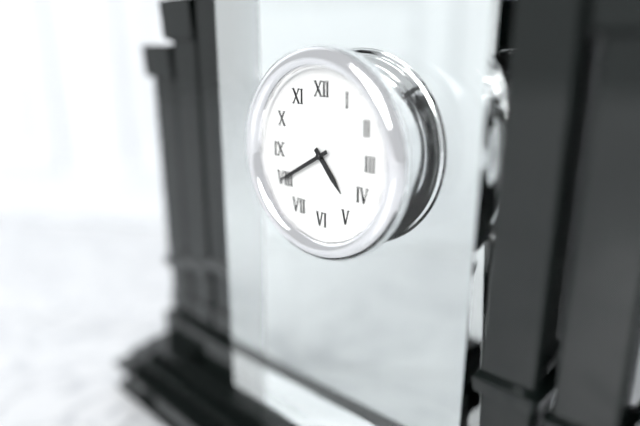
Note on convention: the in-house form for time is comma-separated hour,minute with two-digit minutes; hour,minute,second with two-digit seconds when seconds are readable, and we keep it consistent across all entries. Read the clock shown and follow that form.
4,40
